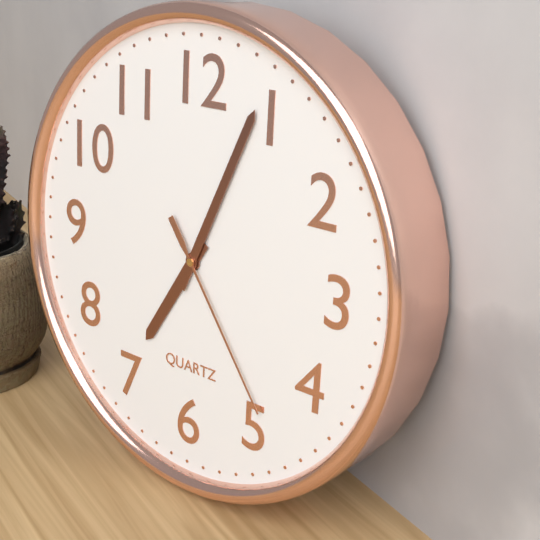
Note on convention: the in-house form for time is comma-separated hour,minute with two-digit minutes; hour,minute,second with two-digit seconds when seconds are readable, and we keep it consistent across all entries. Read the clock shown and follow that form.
7,04,24
